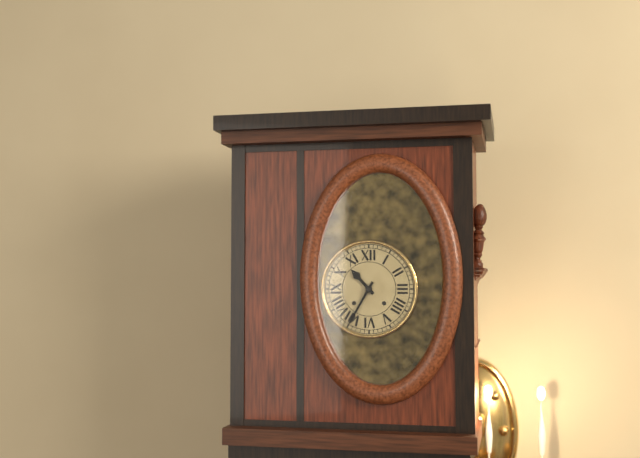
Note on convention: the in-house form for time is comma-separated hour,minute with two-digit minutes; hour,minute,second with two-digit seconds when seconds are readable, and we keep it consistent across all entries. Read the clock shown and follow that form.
10,35
